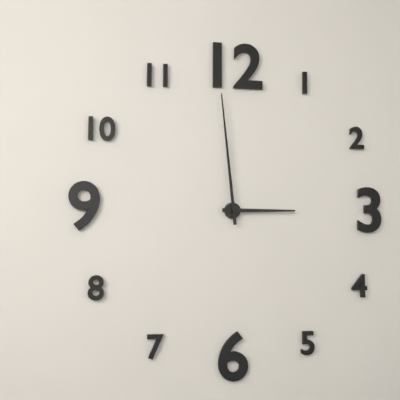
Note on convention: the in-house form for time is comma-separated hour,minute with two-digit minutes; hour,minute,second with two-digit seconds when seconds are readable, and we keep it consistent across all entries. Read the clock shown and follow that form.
2,59
